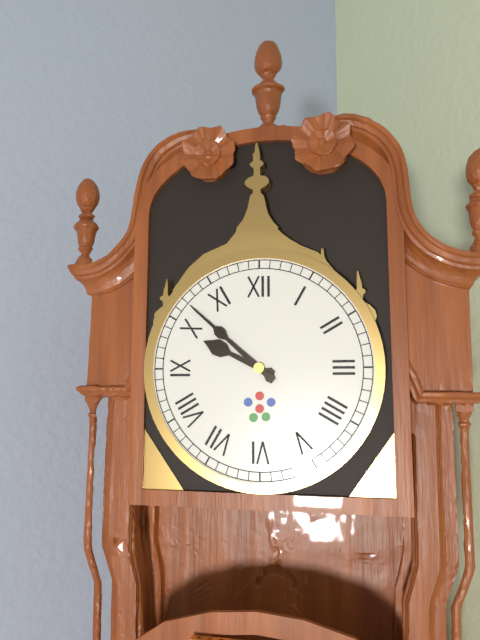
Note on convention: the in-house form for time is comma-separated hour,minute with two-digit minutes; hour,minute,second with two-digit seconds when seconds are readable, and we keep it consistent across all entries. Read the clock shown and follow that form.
9,52
